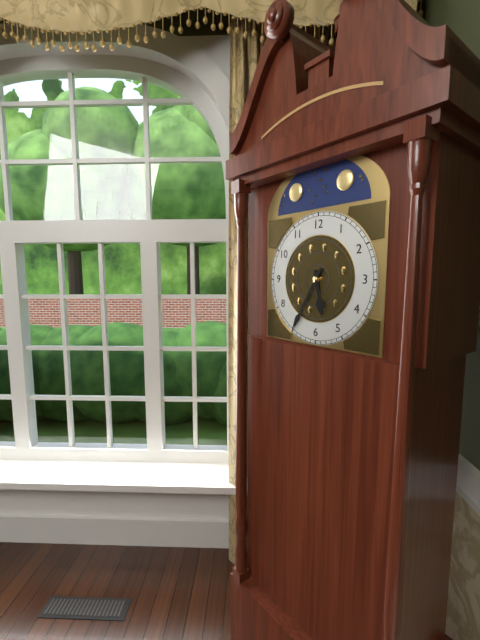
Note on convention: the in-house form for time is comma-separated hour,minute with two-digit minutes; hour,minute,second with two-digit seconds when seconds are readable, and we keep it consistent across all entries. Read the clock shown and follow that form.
5,35
